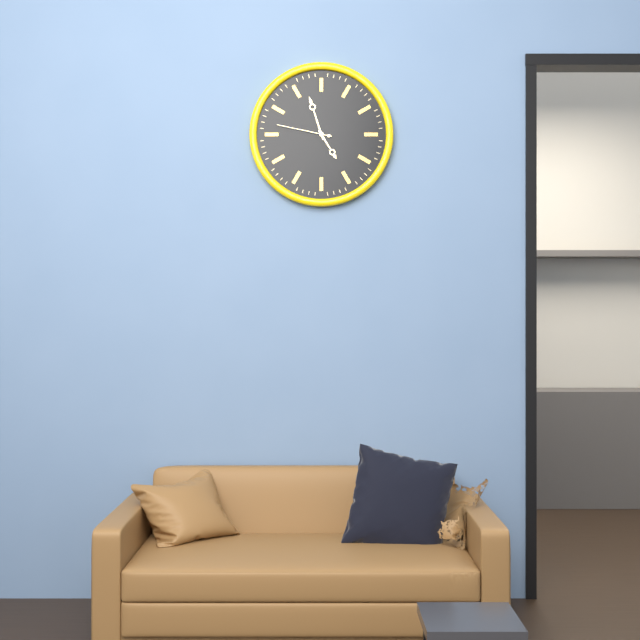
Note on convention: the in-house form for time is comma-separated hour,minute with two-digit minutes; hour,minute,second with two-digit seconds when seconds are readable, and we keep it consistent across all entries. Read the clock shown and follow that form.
4,57,47
